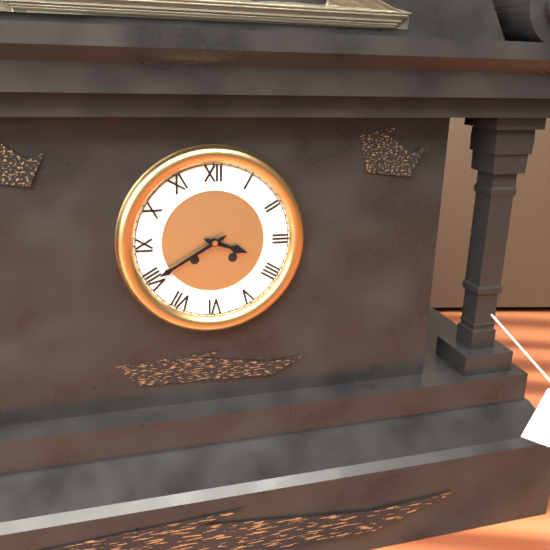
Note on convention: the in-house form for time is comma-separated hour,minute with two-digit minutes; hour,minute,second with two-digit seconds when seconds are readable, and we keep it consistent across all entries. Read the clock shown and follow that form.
3,40
